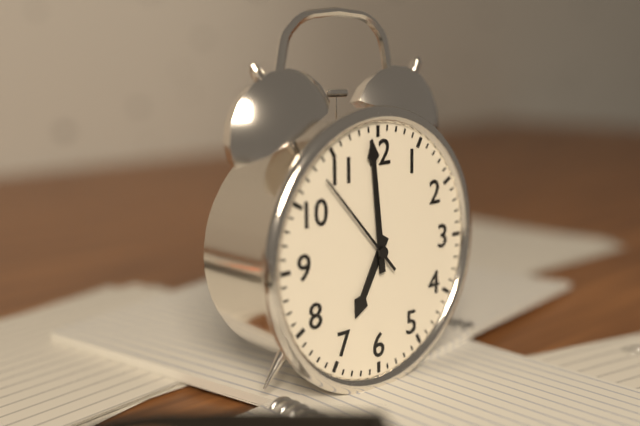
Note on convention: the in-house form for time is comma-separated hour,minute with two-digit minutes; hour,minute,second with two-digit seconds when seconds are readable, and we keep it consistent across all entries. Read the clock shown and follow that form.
6,59,53
